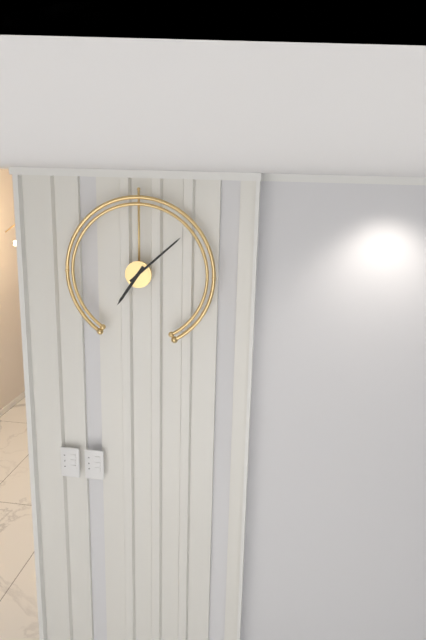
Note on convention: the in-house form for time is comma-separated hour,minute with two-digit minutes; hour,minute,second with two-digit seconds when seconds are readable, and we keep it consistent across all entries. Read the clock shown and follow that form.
7,08
